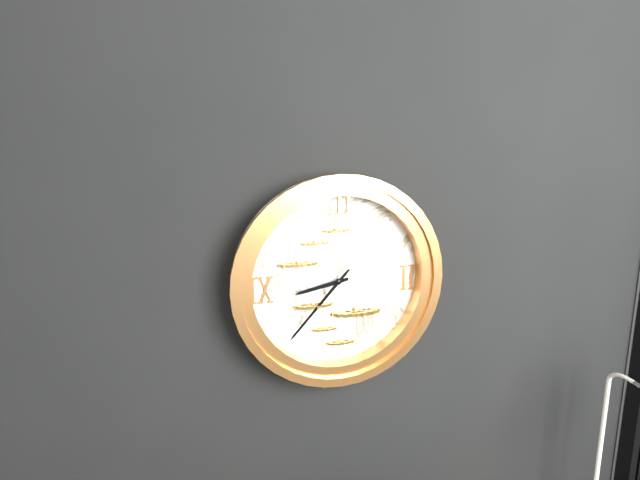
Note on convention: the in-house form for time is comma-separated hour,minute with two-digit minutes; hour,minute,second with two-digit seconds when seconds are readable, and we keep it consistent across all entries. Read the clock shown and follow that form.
8,37
